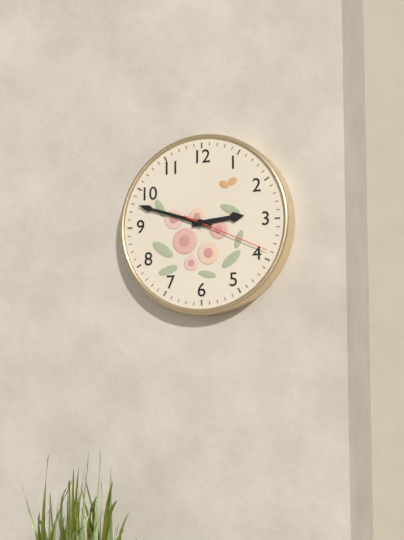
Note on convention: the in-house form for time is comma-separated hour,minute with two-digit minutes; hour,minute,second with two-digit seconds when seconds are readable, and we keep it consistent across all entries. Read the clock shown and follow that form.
2,48,19
